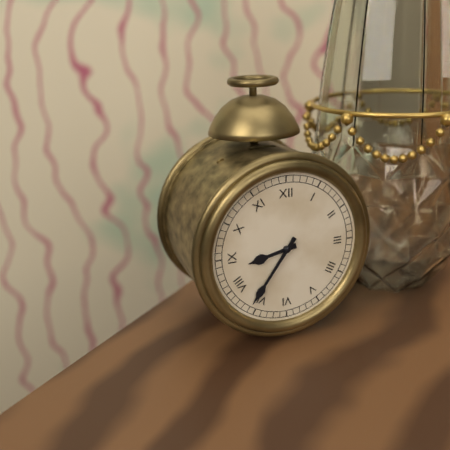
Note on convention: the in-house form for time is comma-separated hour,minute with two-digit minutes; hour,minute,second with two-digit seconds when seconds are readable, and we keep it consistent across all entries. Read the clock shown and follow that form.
8,36
